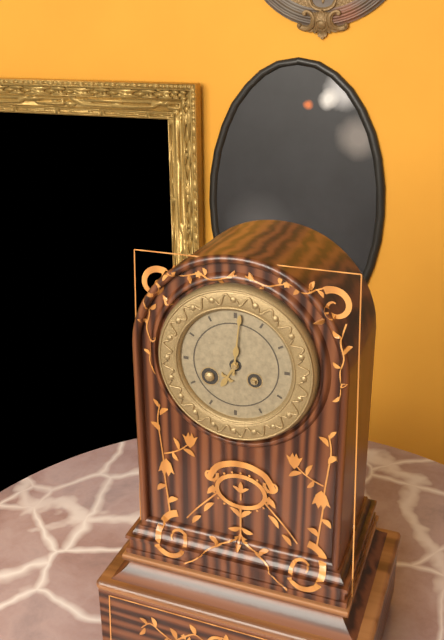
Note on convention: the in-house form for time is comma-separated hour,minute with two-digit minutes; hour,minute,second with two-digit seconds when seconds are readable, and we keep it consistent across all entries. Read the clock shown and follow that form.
7,01
